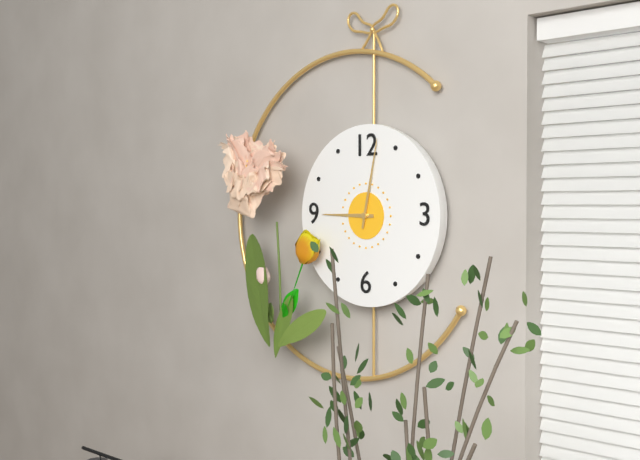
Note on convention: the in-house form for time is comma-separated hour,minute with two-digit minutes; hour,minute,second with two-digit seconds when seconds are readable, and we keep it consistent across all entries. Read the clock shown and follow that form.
9,02
